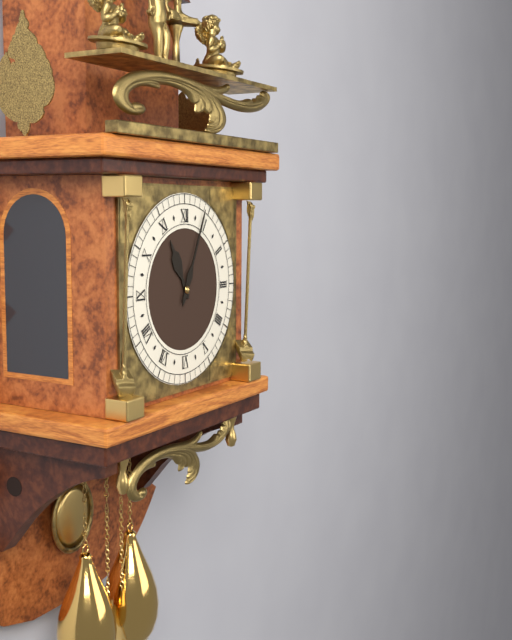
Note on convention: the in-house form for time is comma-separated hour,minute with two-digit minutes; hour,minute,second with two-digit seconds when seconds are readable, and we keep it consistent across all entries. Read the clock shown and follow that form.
11,04
